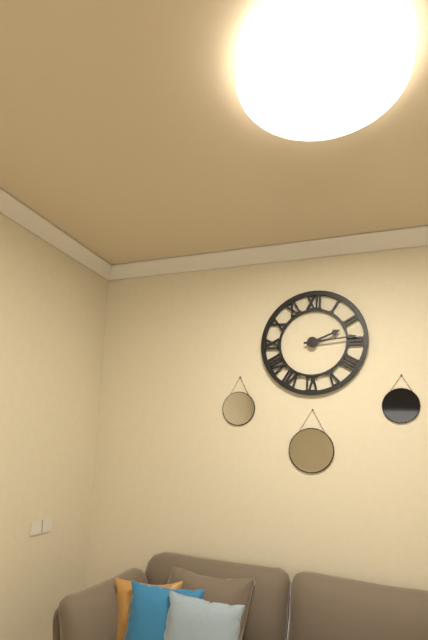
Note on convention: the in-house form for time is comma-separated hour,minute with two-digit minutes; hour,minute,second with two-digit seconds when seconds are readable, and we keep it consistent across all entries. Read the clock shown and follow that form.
2,14
